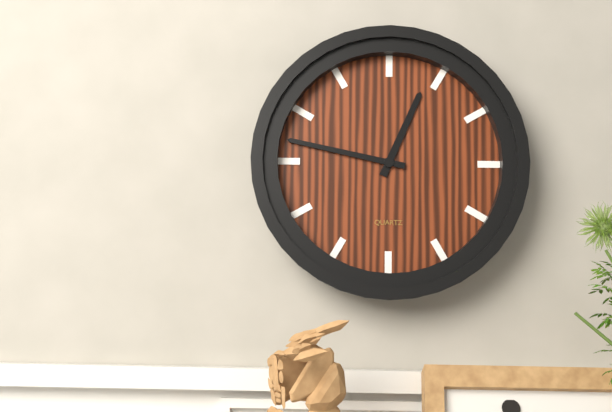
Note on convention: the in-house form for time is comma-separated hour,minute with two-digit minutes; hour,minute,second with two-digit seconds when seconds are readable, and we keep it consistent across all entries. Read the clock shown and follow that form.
12,47
